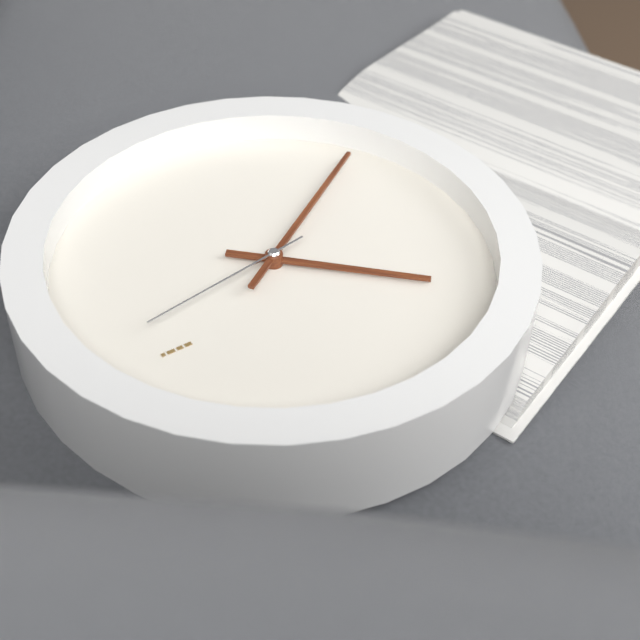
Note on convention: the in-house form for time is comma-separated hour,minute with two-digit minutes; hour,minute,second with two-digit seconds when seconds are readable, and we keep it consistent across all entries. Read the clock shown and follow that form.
4,08,42
